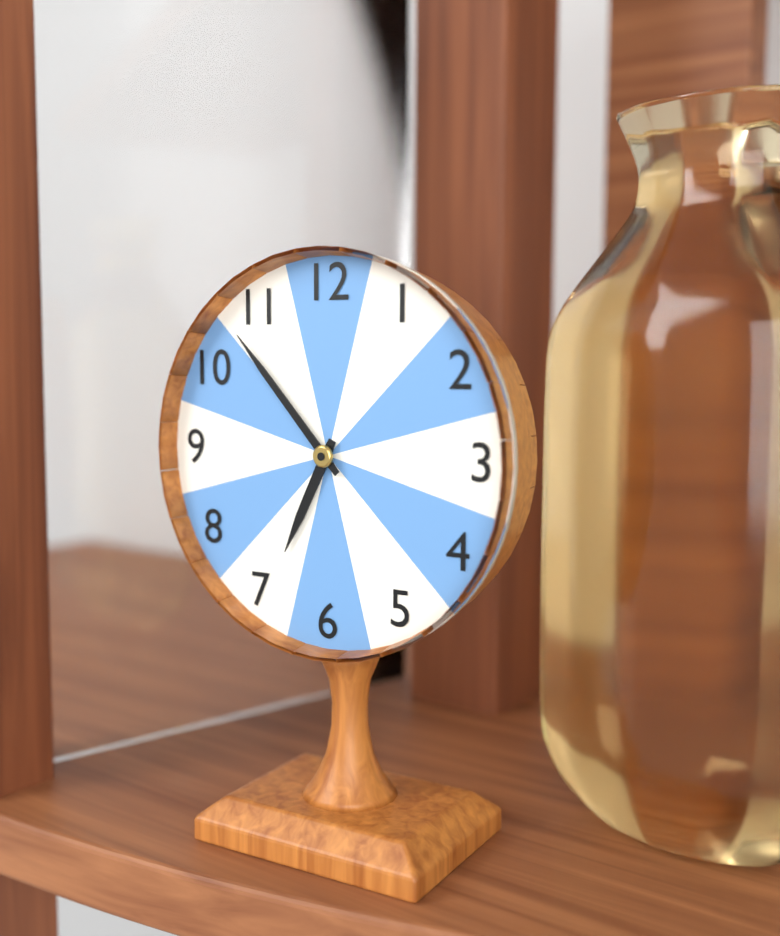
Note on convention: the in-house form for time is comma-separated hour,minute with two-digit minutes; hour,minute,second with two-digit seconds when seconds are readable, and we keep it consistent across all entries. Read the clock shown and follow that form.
6,53
